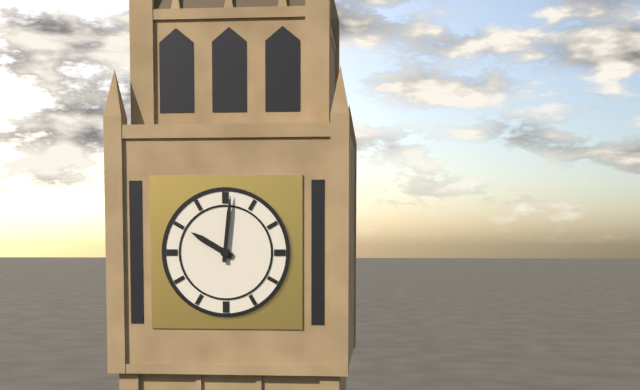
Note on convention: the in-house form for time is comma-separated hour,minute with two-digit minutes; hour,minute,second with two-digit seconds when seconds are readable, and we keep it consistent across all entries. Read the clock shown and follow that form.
10,01
